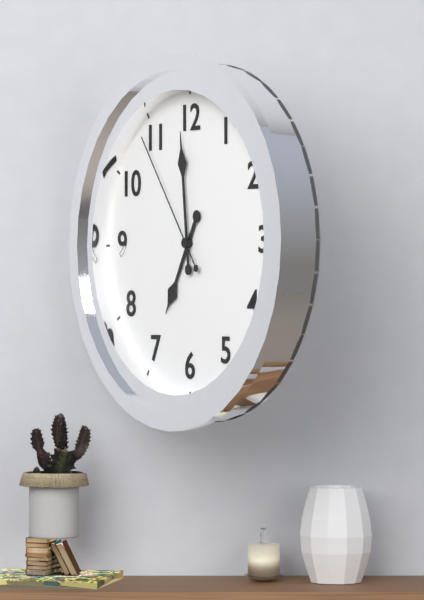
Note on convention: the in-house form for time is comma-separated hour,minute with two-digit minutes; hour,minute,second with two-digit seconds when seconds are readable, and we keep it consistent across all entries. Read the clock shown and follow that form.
6,59,54
